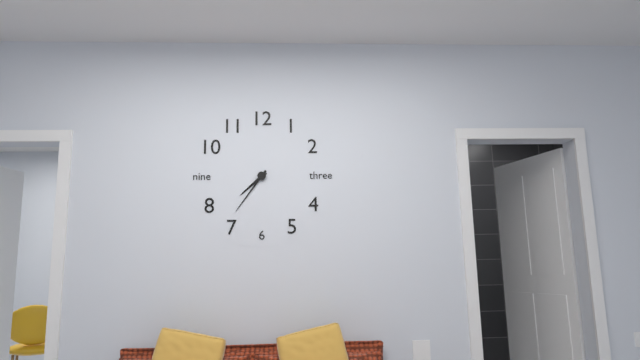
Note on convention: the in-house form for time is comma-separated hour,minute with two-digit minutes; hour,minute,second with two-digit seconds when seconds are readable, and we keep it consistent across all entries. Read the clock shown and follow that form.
7,36
